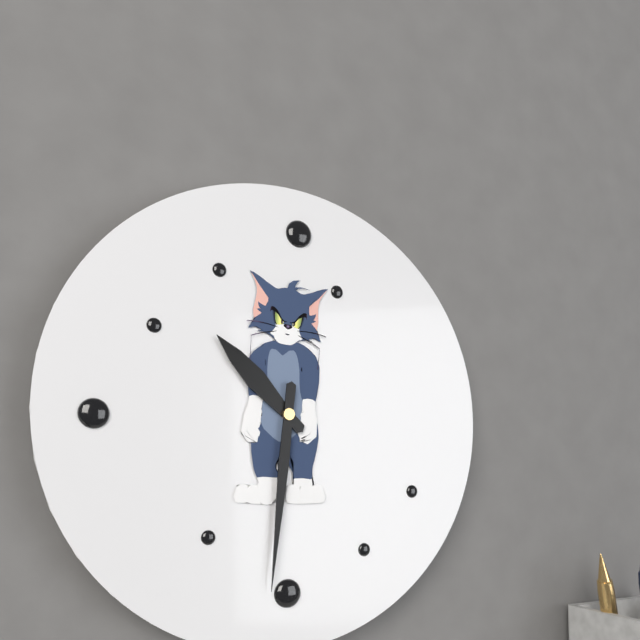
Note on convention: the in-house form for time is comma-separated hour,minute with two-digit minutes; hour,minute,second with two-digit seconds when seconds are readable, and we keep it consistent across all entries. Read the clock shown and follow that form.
10,31
